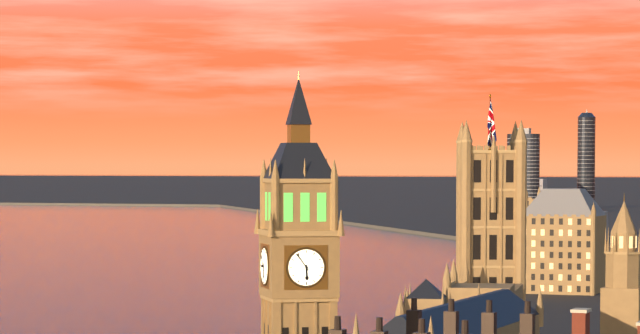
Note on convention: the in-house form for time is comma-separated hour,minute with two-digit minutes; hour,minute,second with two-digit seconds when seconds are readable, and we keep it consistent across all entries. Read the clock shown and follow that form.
5,54
